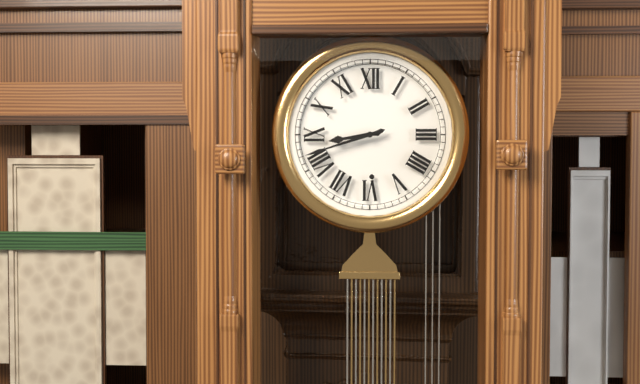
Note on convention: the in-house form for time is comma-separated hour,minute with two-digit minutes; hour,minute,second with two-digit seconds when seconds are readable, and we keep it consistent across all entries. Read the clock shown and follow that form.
8,42
